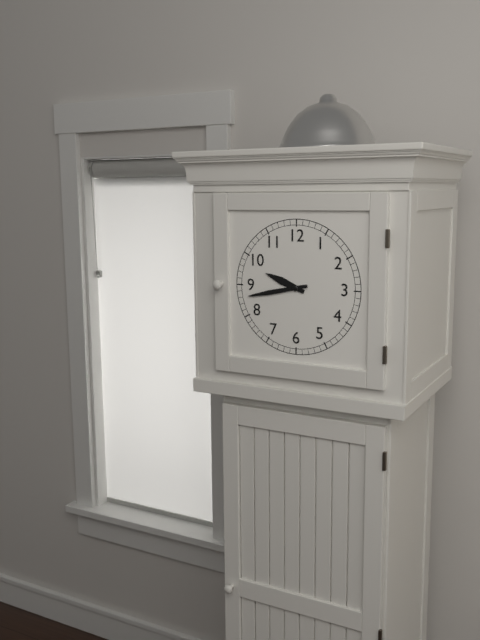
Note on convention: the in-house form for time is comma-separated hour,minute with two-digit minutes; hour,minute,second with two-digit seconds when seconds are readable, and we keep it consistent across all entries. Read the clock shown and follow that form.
9,43
